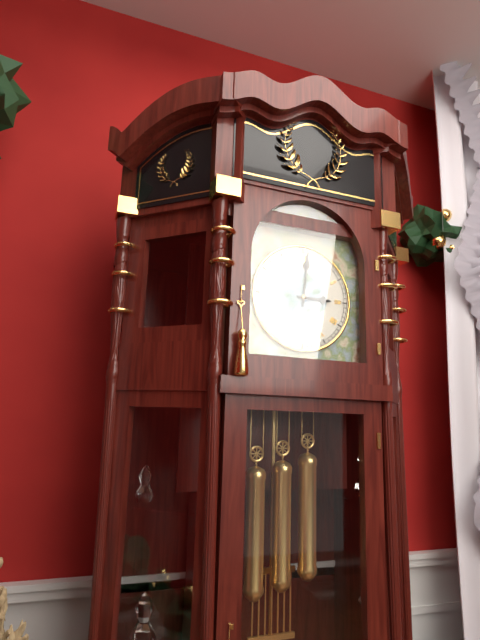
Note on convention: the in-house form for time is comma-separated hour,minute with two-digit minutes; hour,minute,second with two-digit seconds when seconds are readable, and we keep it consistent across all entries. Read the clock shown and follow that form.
3,01
